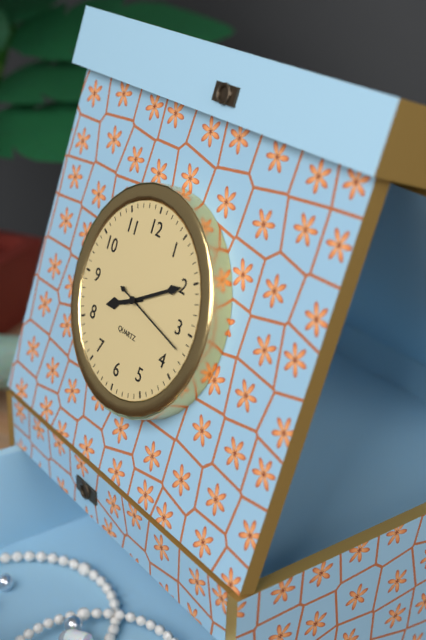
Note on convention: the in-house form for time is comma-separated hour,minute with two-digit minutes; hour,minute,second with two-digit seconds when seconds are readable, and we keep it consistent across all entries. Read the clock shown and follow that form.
8,10,17
